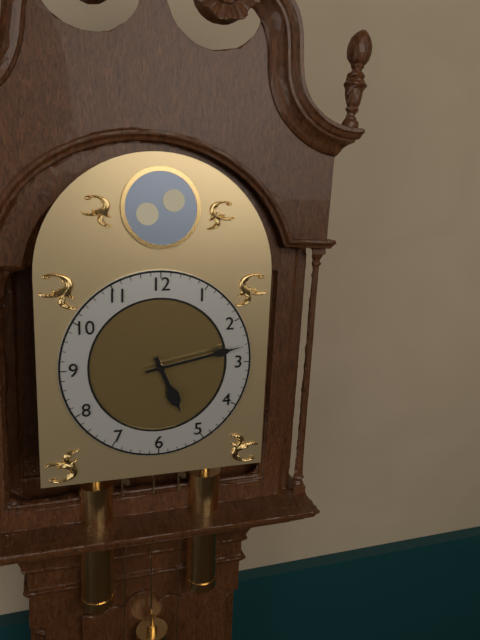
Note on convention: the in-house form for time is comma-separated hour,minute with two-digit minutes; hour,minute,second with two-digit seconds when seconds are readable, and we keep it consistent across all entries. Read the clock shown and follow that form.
5,13
